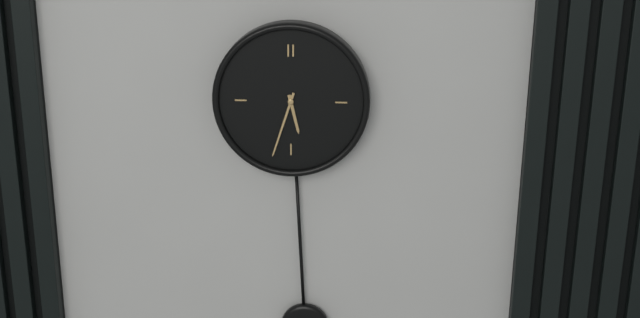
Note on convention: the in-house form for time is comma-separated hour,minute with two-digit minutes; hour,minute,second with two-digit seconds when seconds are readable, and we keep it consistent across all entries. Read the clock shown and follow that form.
5,33
